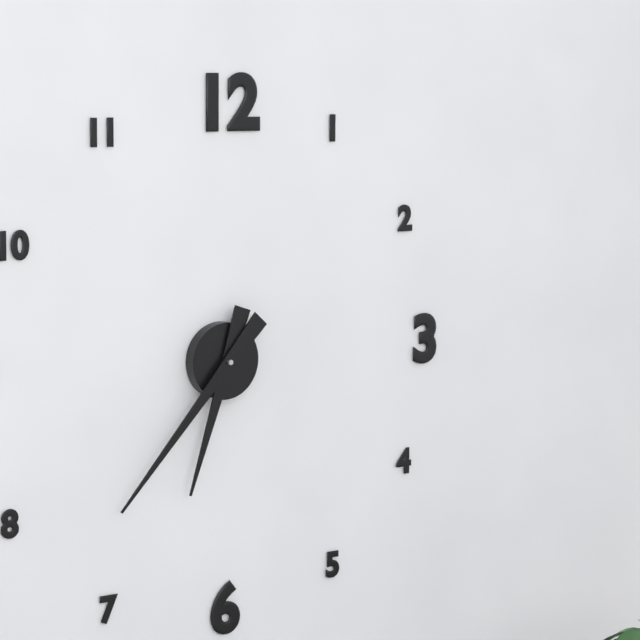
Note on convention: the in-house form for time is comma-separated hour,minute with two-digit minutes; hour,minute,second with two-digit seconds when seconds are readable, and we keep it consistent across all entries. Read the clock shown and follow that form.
6,37
